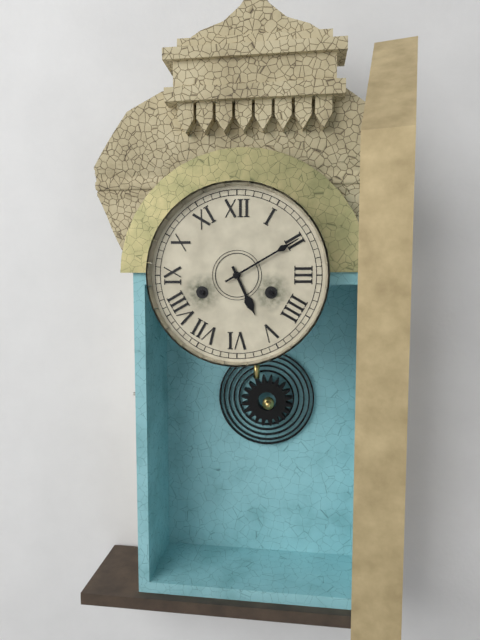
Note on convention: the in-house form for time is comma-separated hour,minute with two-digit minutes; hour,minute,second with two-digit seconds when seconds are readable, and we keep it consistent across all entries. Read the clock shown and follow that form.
5,10
